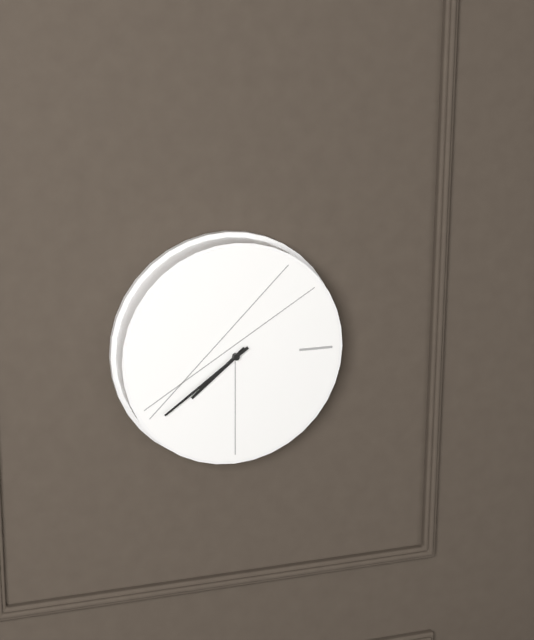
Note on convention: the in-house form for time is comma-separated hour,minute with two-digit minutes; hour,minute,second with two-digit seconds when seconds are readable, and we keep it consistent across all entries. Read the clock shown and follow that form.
7,39
